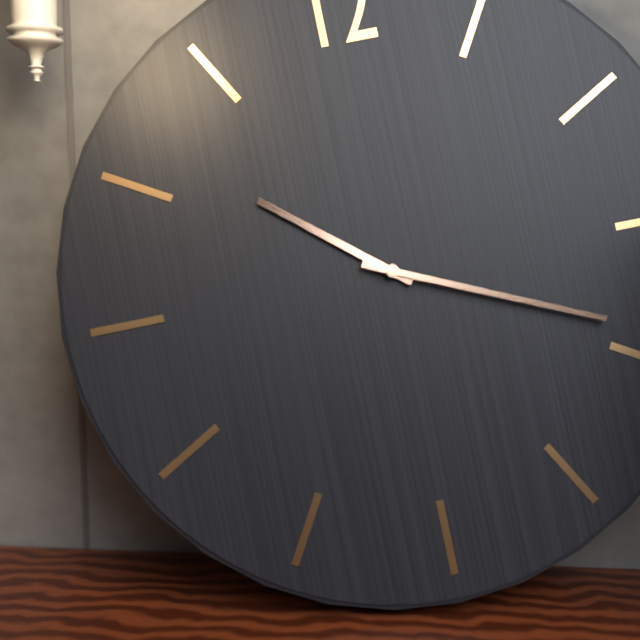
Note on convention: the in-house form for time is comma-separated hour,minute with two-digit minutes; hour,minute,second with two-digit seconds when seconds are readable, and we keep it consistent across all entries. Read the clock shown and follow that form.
10,19
